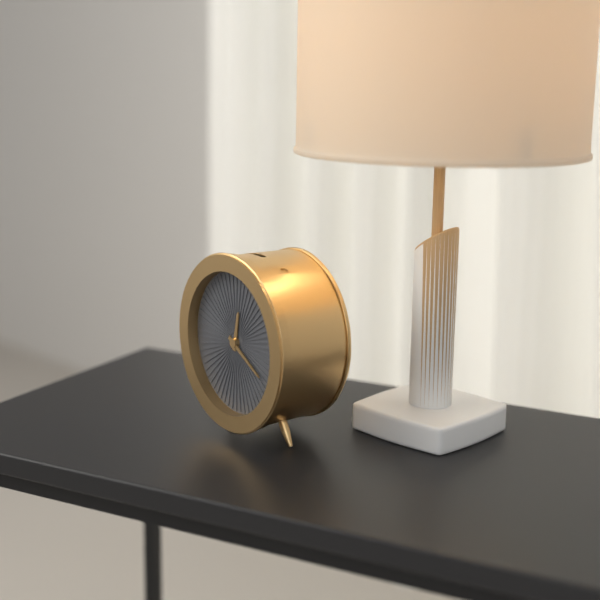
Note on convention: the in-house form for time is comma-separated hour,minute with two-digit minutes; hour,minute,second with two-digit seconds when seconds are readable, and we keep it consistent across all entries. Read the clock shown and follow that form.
12,20
